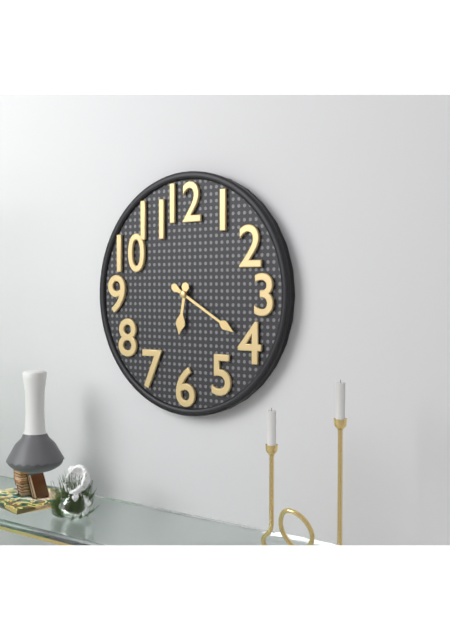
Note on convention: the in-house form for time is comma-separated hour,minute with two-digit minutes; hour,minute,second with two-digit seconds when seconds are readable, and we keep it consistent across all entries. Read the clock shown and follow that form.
6,20
